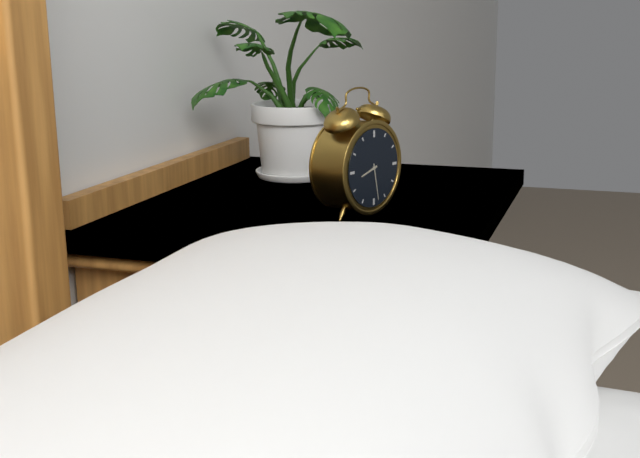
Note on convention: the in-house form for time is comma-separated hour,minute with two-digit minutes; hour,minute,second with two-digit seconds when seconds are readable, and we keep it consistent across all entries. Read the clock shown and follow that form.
8,28
